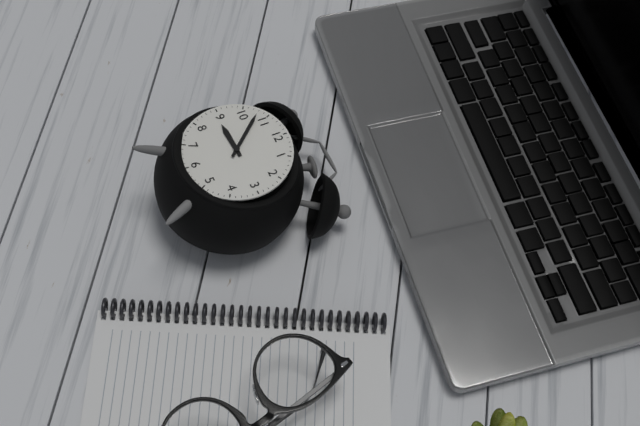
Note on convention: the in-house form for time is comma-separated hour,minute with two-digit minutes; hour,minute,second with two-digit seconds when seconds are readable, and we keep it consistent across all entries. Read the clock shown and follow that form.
8,53
